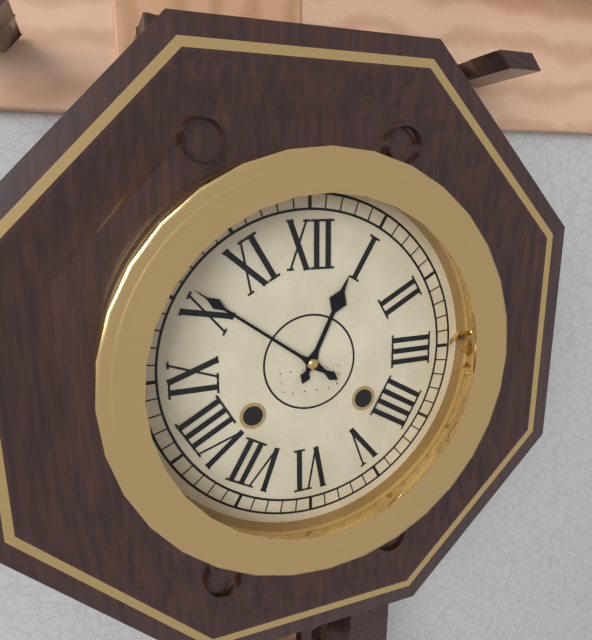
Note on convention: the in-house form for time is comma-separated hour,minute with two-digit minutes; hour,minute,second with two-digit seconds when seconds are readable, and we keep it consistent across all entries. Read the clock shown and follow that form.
12,51
